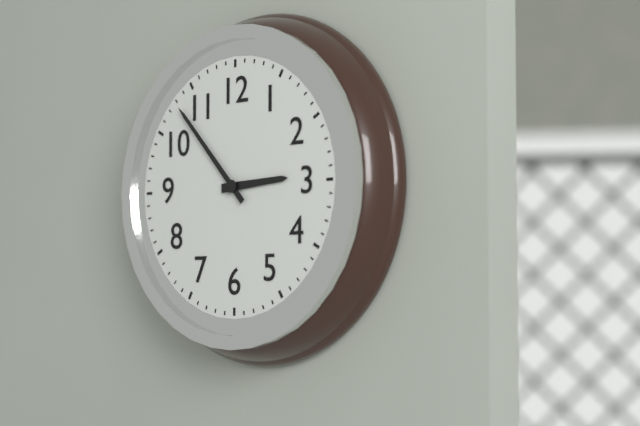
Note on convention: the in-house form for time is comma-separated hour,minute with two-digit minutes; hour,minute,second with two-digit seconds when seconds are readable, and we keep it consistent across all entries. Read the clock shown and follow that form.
2,53
